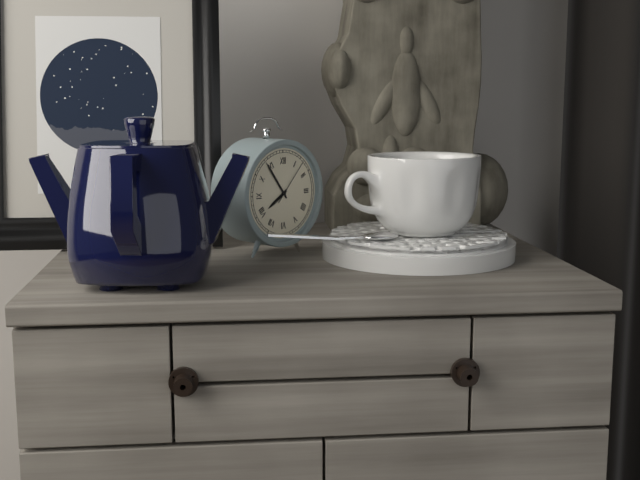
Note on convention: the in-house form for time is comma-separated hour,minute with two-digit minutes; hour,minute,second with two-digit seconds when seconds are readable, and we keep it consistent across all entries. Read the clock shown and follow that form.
7,54
